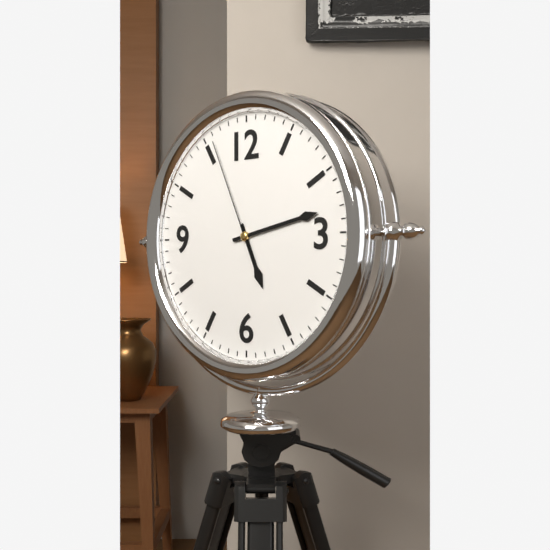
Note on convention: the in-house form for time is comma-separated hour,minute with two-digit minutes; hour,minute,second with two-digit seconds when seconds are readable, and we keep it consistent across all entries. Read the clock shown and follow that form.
5,13,56
